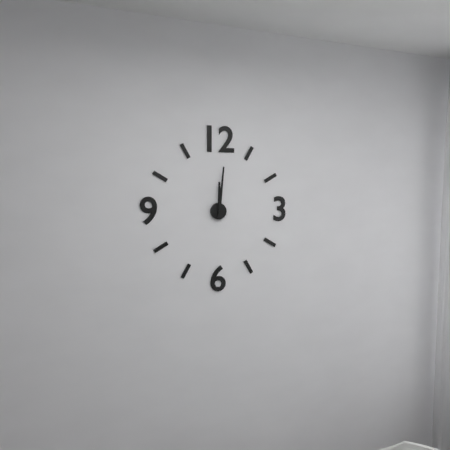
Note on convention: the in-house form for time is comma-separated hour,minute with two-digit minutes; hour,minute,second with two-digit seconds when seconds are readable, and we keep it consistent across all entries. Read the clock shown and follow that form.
12,01
